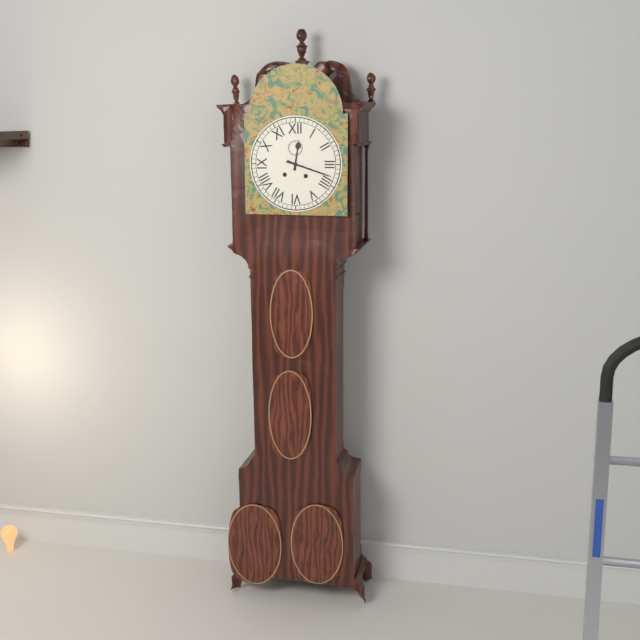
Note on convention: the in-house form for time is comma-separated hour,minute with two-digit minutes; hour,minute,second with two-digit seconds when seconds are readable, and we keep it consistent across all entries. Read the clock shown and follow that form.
12,18
